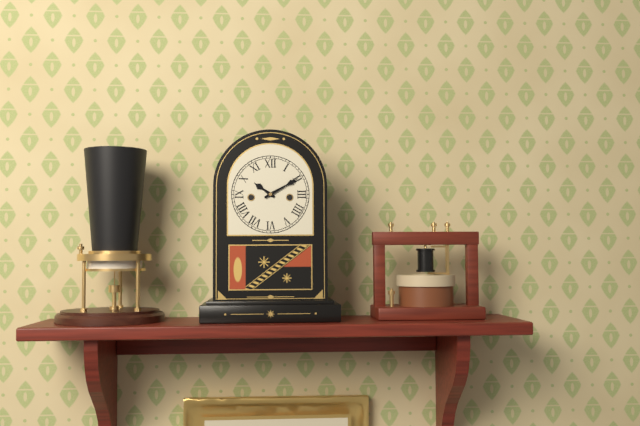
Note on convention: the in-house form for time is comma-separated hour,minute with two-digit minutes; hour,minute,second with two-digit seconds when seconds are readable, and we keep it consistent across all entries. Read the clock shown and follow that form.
10,10
